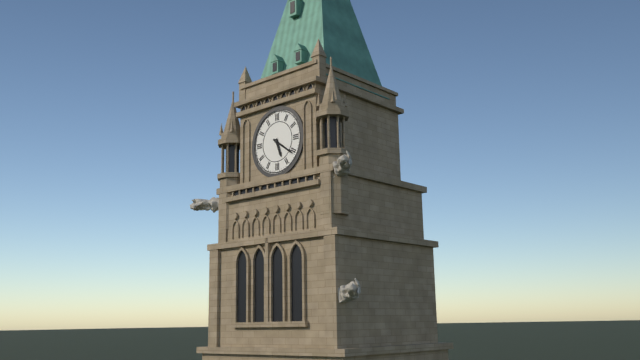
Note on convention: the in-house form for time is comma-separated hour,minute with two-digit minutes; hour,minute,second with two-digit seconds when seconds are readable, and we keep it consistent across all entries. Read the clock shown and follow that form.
5,21
